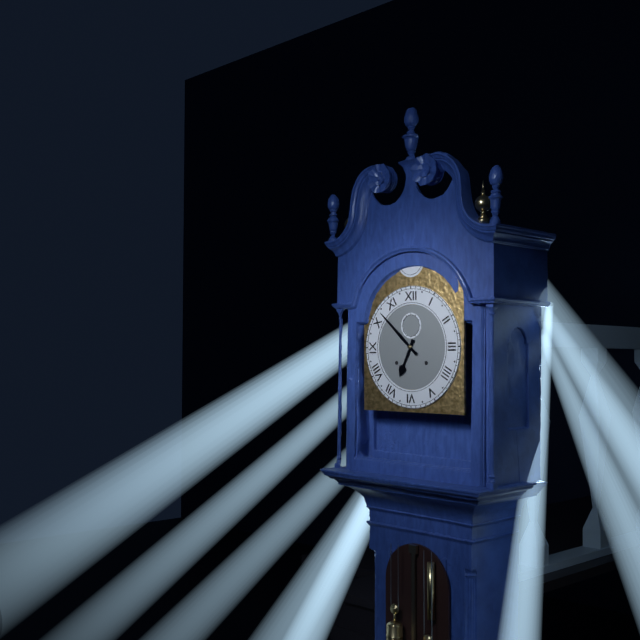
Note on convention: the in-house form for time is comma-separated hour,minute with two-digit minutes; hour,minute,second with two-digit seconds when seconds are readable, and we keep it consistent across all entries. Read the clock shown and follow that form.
6,52
